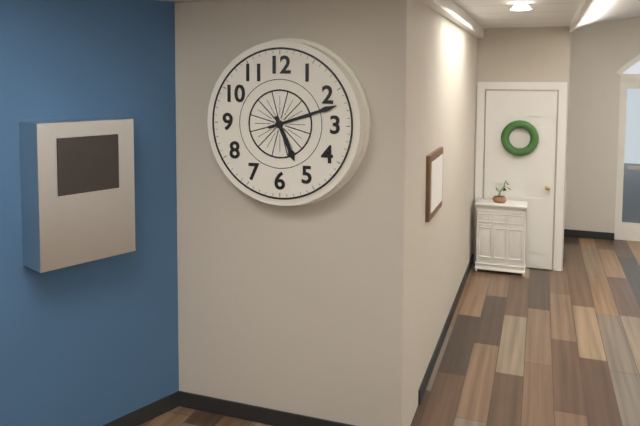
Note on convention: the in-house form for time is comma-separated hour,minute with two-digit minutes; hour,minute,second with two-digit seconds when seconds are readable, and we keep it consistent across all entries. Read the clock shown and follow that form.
5,12
